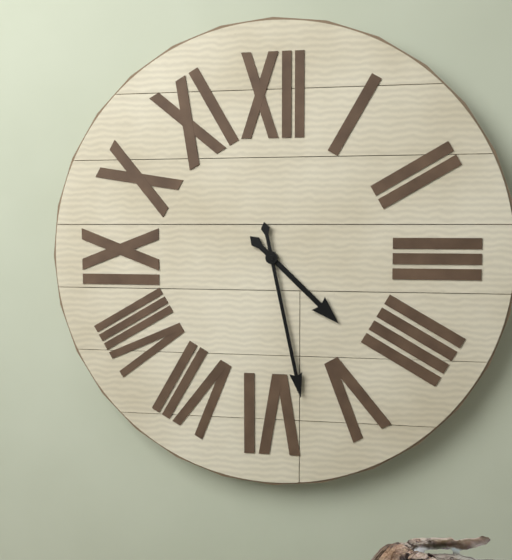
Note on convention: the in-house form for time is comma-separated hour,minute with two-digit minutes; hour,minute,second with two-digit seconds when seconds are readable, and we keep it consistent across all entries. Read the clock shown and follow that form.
4,28
